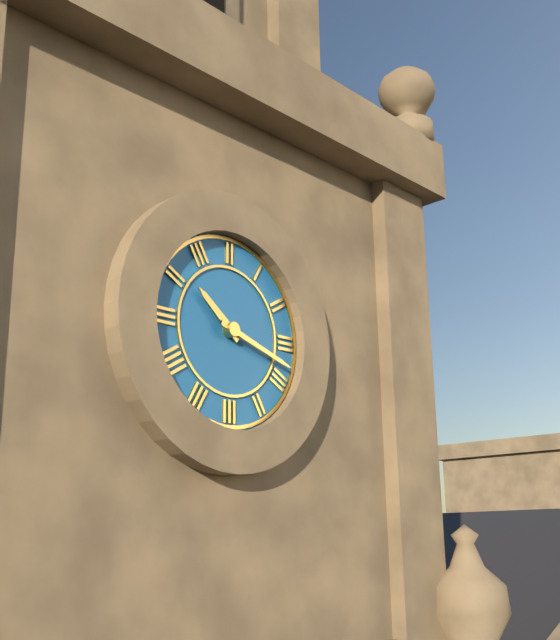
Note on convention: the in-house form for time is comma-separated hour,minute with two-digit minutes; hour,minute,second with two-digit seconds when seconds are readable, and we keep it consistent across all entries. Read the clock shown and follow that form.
10,18
